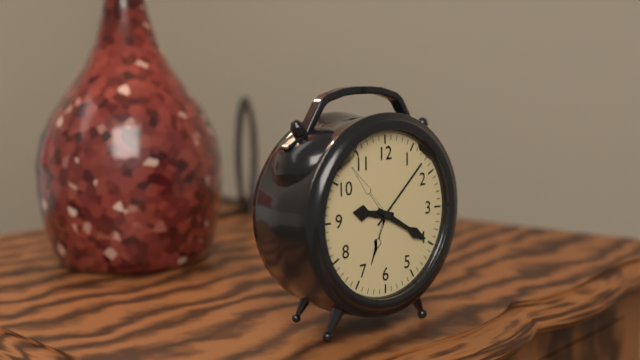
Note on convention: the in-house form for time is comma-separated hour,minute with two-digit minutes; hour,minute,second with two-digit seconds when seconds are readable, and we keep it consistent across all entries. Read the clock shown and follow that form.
9,20
